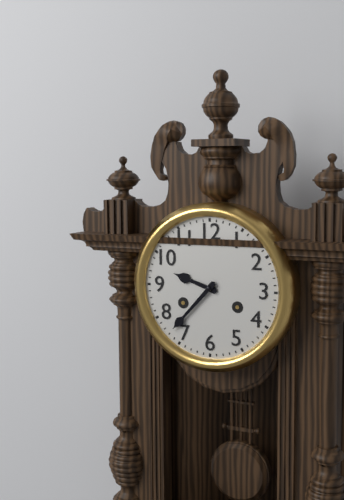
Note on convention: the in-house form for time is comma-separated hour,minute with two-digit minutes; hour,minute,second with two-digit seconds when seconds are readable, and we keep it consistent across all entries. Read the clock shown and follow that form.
9,37
